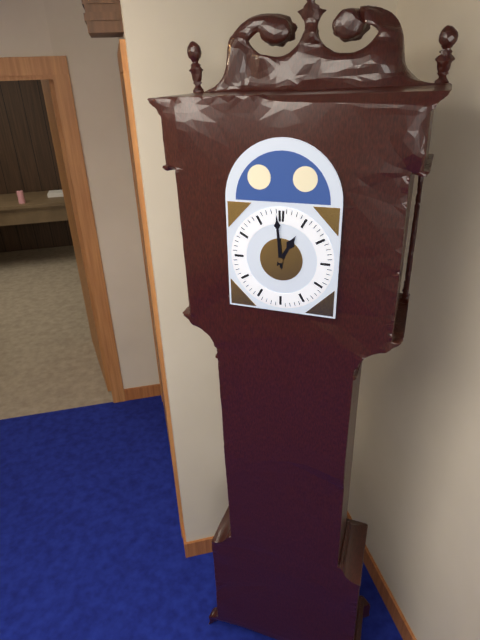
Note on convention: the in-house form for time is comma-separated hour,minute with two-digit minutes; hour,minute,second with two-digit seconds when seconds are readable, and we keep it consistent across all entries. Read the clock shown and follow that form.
12,59
